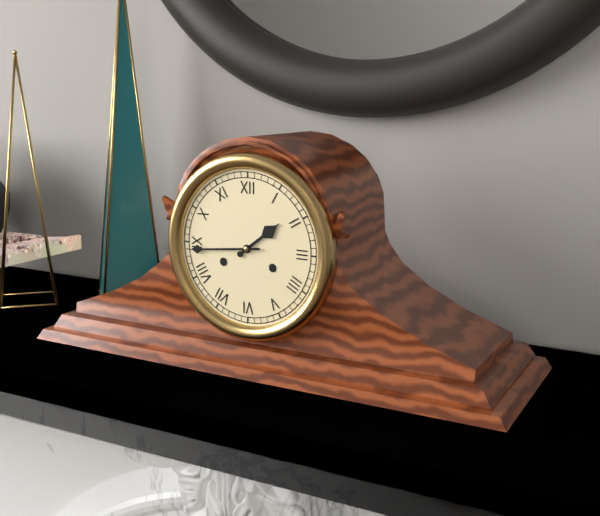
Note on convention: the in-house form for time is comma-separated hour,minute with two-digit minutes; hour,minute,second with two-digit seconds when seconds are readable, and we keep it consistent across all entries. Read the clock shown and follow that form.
1,44
